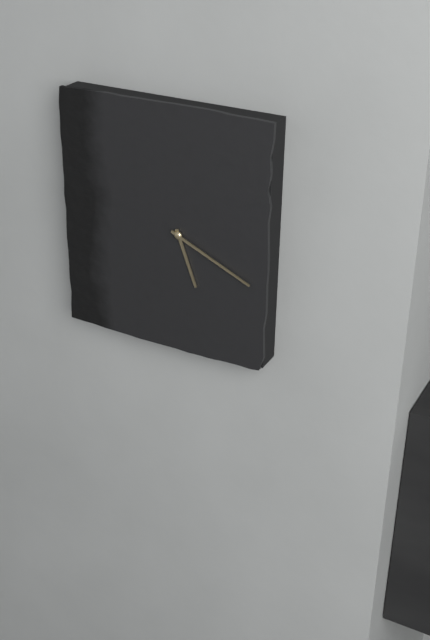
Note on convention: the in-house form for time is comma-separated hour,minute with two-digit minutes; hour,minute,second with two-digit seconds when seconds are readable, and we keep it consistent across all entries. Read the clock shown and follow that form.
5,19
